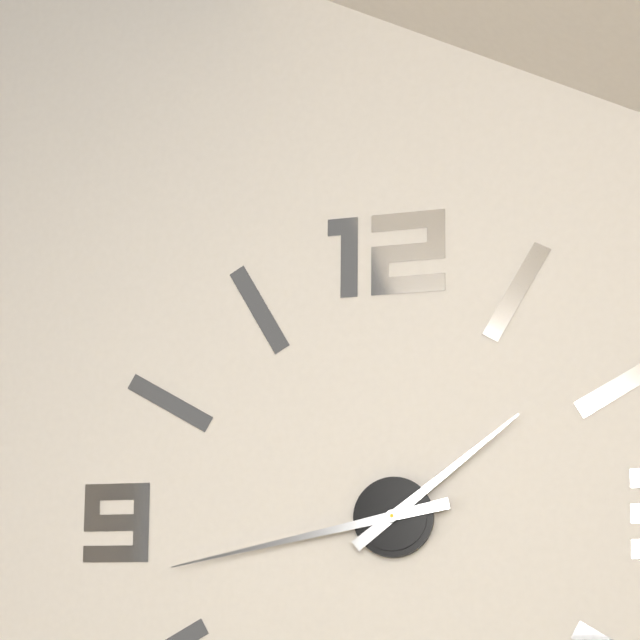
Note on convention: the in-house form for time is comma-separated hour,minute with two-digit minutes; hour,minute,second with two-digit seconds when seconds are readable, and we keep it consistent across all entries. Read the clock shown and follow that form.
1,43
